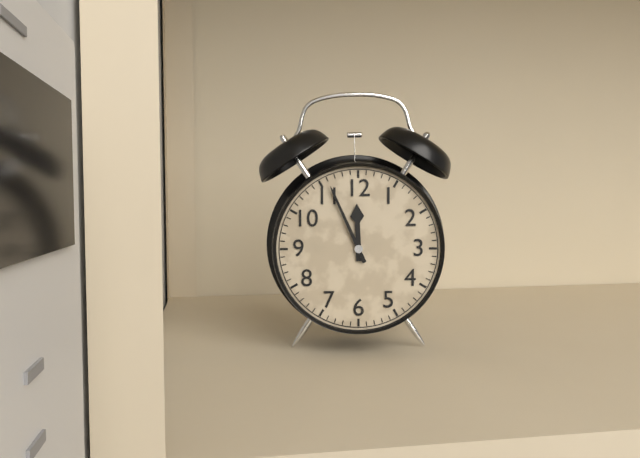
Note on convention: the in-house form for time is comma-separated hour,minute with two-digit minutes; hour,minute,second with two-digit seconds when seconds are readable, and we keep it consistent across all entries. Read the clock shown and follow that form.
11,56
